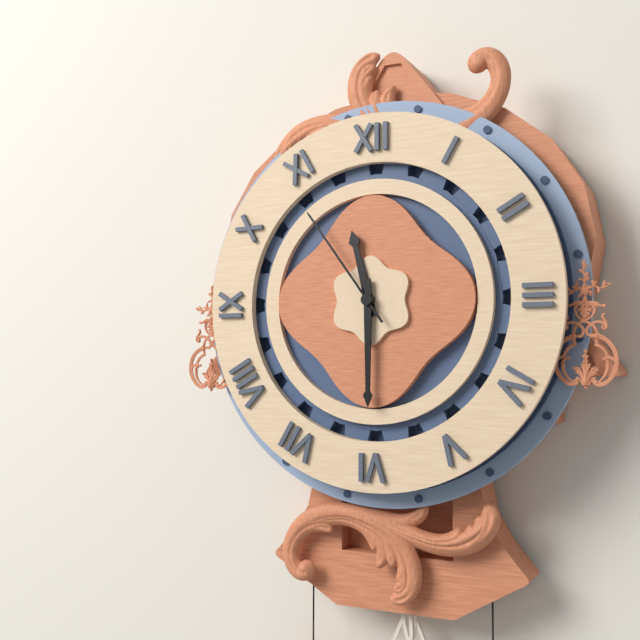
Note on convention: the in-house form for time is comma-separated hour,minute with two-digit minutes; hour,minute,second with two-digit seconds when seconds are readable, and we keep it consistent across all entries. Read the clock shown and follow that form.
11,30,54
